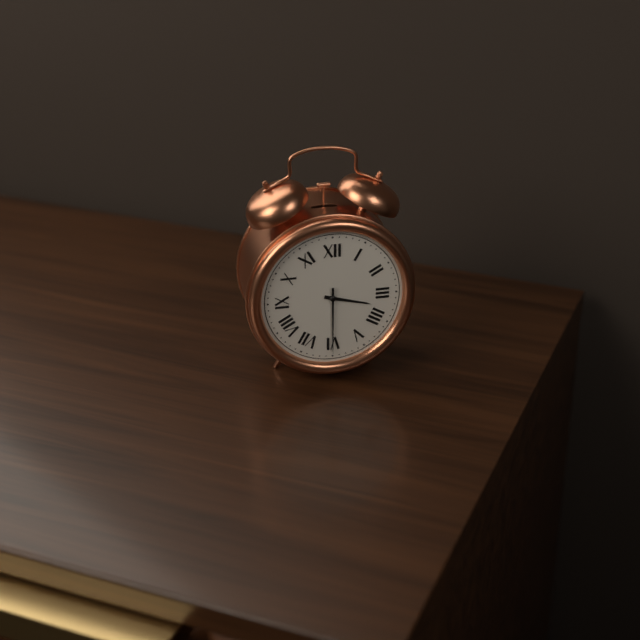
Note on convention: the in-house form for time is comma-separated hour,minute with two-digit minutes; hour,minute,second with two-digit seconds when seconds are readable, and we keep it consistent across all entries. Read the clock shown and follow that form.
3,30
